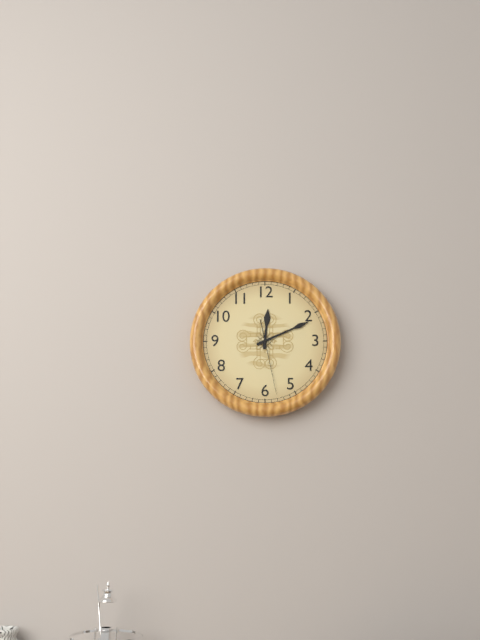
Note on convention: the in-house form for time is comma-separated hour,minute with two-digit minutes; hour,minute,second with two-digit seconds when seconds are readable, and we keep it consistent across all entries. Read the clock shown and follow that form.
12,11,28
